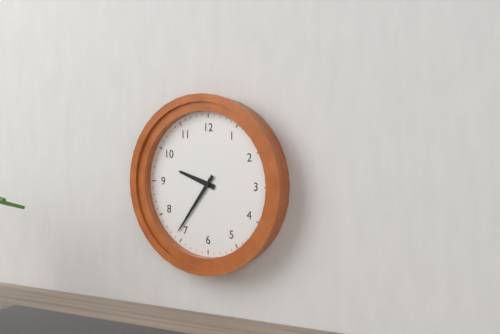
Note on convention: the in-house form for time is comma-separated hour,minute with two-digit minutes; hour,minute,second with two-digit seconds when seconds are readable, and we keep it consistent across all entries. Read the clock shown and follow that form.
9,36
